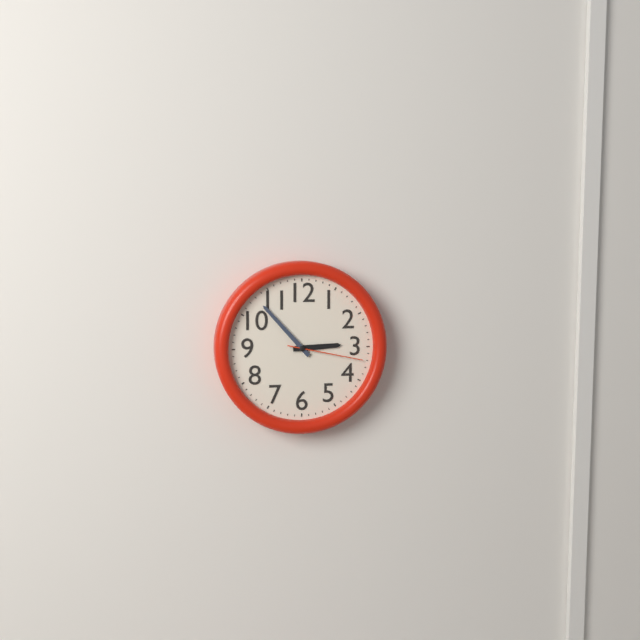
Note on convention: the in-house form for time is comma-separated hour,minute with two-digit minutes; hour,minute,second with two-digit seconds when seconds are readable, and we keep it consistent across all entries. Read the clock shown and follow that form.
2,53,17
